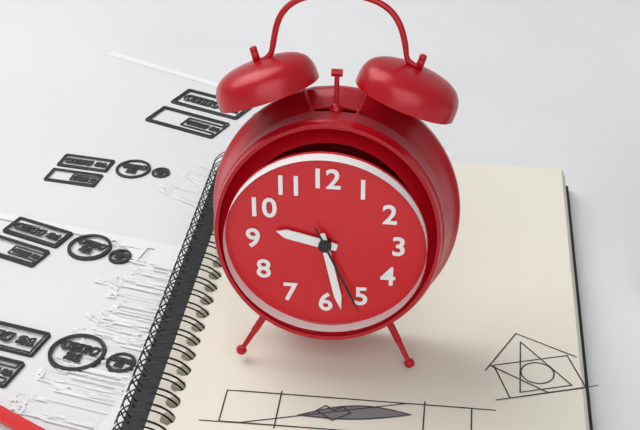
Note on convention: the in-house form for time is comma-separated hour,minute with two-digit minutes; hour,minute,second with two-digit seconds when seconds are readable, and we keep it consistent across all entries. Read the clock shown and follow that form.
9,28,26
